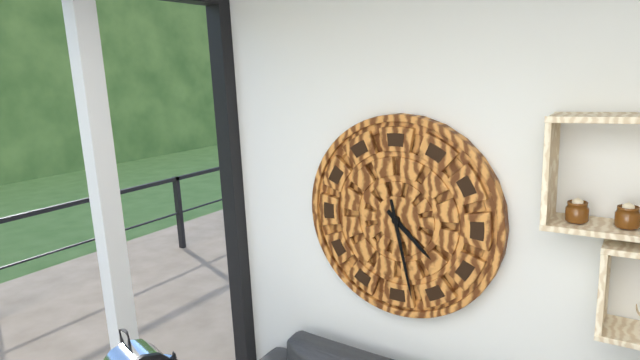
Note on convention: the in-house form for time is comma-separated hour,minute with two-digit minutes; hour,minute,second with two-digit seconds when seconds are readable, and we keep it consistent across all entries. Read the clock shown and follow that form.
4,28
